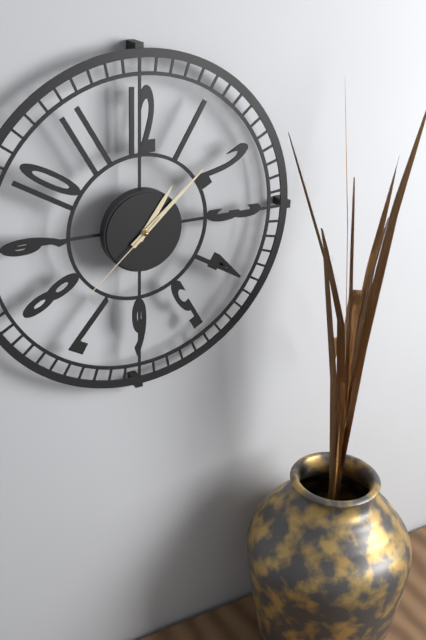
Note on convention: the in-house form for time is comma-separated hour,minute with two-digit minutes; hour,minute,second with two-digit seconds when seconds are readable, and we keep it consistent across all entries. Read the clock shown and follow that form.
1,08,38
